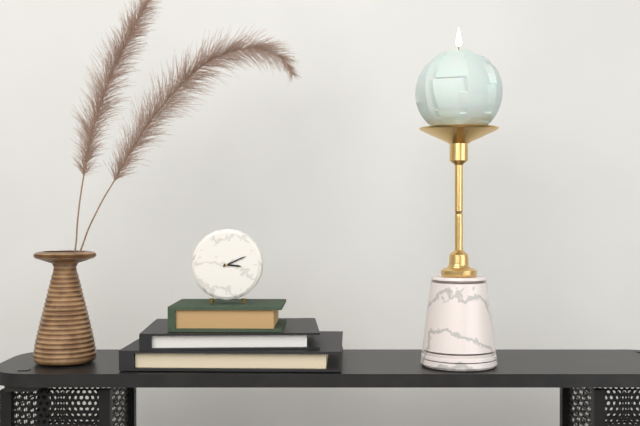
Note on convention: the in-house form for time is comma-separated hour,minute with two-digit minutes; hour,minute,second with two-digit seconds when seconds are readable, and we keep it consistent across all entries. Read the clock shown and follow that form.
3,11
